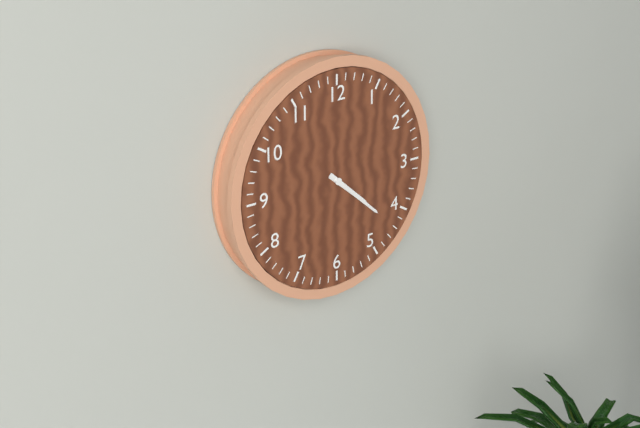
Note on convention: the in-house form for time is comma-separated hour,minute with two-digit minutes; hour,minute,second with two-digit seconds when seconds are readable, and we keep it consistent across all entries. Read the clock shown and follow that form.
4,22
